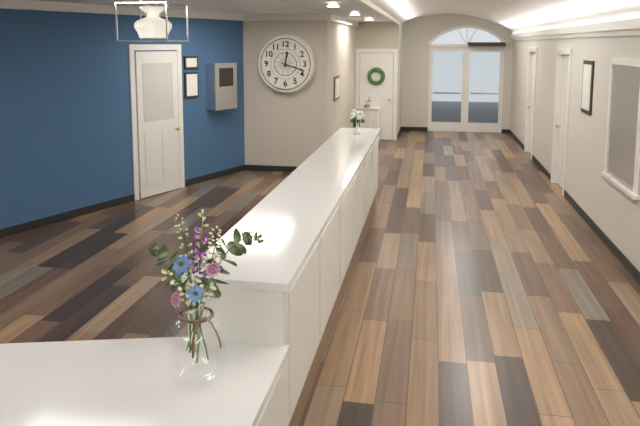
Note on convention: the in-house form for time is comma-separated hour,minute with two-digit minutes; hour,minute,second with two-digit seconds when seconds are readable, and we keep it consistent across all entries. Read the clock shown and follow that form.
12,18
